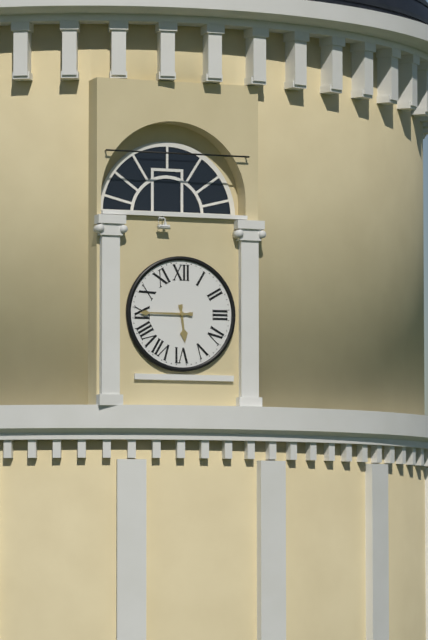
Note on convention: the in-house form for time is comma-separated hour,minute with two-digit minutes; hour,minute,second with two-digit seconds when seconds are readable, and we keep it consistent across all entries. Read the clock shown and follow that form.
5,45
